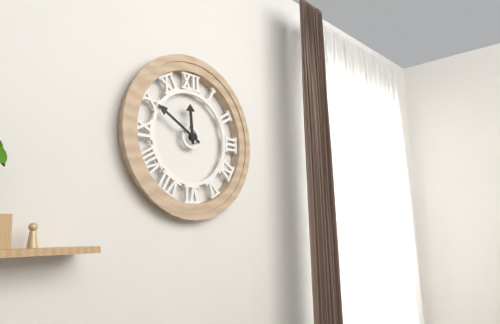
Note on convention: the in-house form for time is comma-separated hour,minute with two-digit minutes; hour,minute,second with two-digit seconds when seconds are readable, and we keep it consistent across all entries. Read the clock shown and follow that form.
11,50
